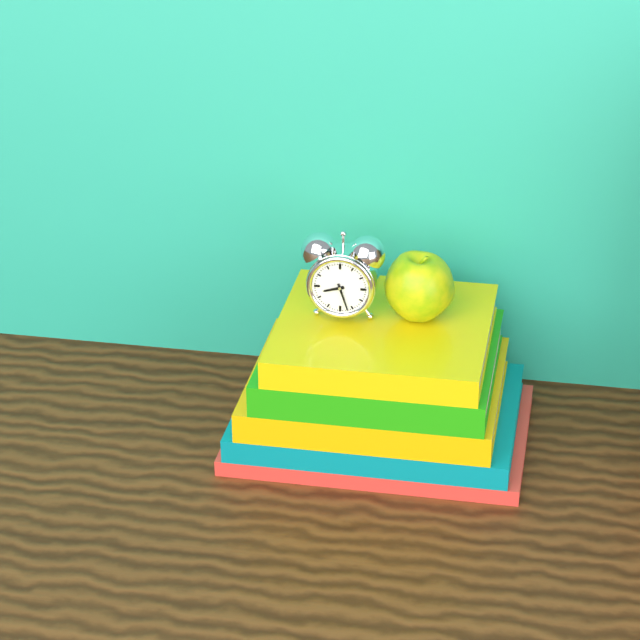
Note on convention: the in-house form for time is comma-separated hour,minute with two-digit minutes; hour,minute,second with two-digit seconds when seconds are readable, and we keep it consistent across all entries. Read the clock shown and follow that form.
8,27
